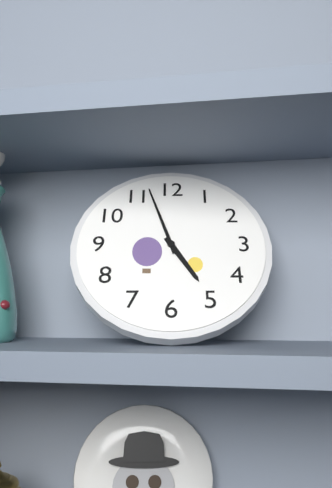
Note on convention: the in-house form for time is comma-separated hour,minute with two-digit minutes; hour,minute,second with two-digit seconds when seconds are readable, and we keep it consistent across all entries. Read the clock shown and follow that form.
4,57
